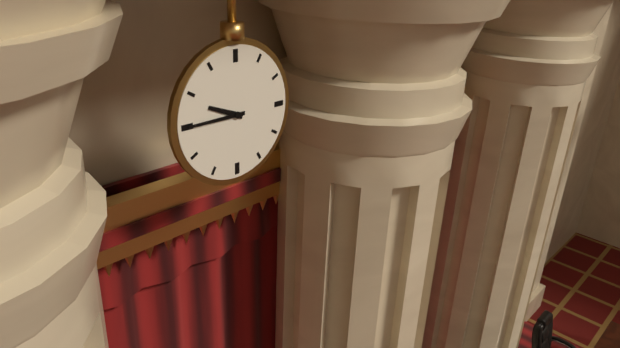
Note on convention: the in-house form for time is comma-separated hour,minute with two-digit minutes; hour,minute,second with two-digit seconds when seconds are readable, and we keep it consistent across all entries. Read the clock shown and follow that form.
9,45
